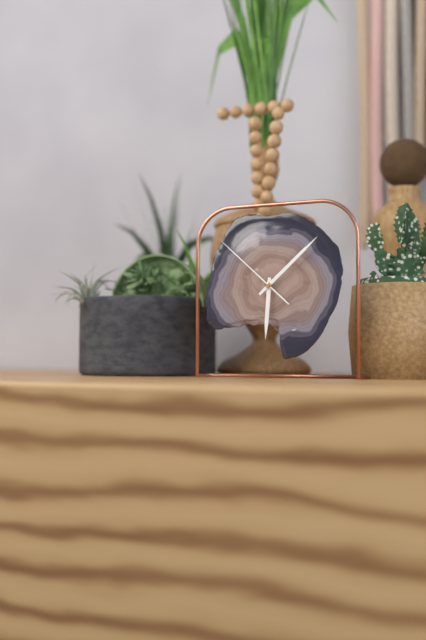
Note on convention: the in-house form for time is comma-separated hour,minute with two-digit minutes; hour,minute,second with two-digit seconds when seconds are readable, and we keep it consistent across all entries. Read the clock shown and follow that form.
6,08,52
